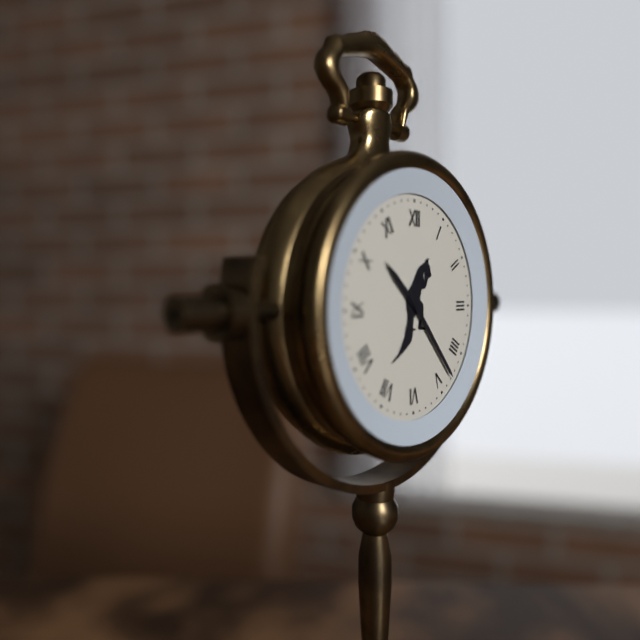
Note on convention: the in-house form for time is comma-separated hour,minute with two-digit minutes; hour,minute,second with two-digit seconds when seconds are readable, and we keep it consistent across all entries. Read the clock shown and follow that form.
10,23
